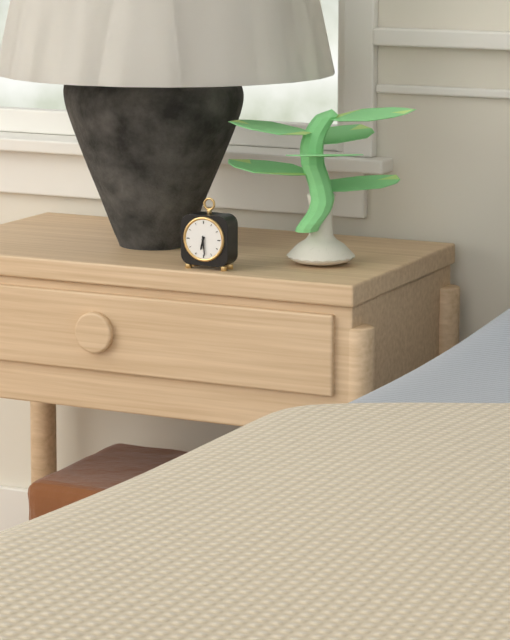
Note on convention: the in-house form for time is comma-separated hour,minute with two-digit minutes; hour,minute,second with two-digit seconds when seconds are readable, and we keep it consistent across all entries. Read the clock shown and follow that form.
6,29
